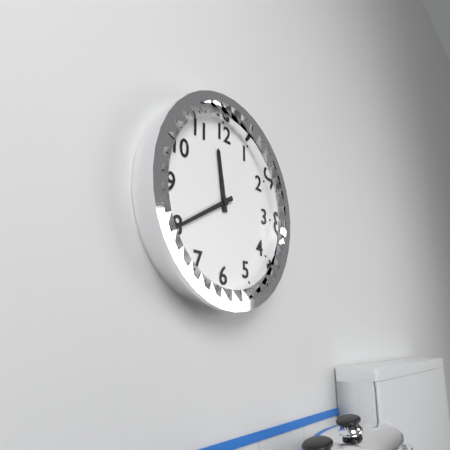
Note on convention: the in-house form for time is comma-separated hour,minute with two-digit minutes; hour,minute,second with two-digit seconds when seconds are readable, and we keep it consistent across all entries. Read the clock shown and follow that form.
11,40
